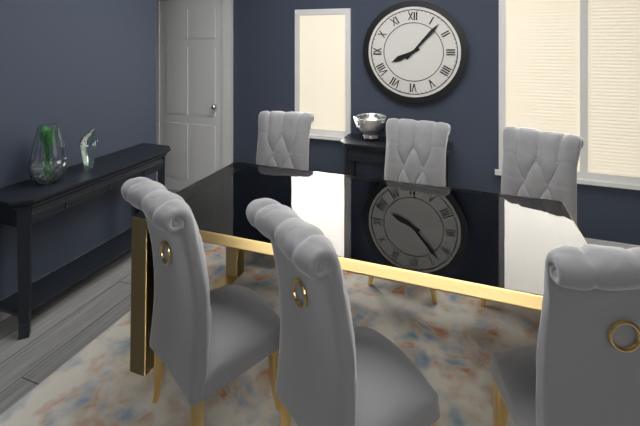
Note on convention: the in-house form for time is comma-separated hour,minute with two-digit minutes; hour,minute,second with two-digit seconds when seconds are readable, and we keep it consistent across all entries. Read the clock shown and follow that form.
8,07
